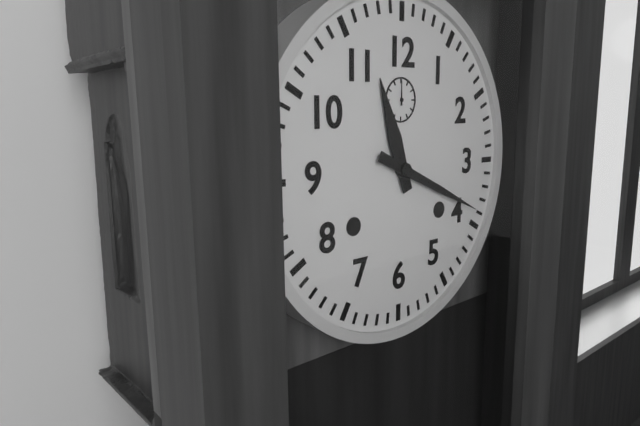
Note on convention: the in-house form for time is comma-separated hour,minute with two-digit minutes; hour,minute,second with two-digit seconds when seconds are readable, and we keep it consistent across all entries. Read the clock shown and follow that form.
11,19
